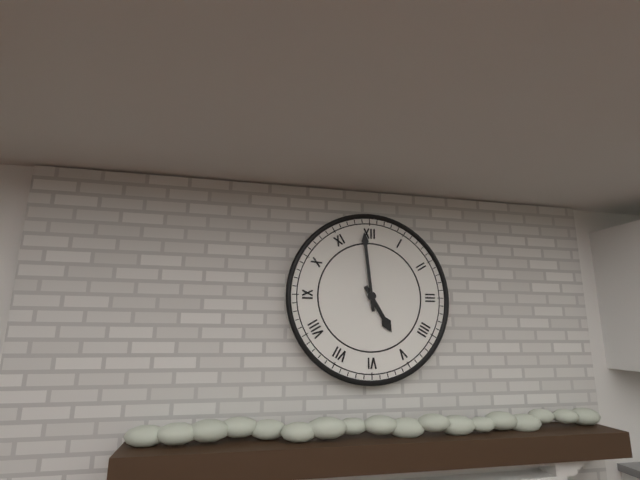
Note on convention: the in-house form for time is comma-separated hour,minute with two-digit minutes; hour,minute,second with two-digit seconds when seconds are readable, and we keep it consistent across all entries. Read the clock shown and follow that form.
4,59
